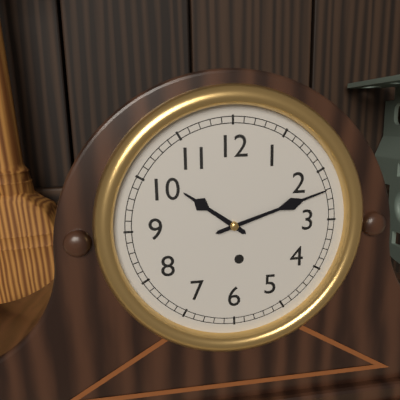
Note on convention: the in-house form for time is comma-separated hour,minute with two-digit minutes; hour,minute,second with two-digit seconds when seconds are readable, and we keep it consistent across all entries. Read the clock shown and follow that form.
10,12
